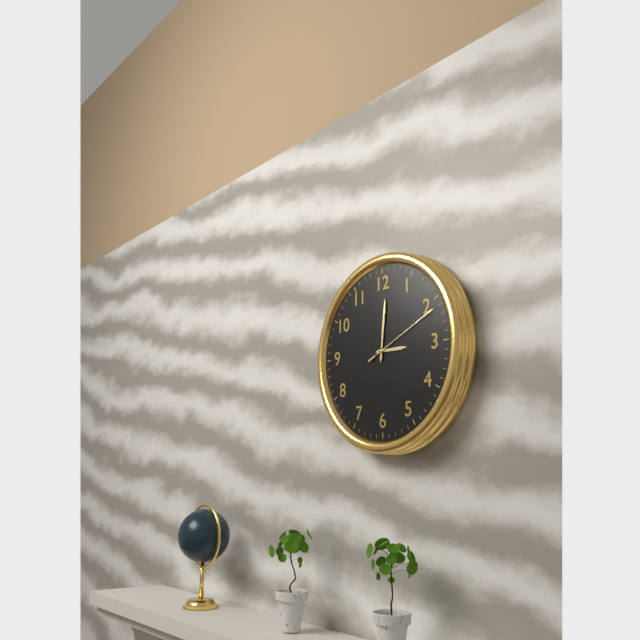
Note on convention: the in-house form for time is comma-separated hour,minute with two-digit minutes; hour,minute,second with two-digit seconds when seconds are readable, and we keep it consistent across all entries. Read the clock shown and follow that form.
3,01,11
